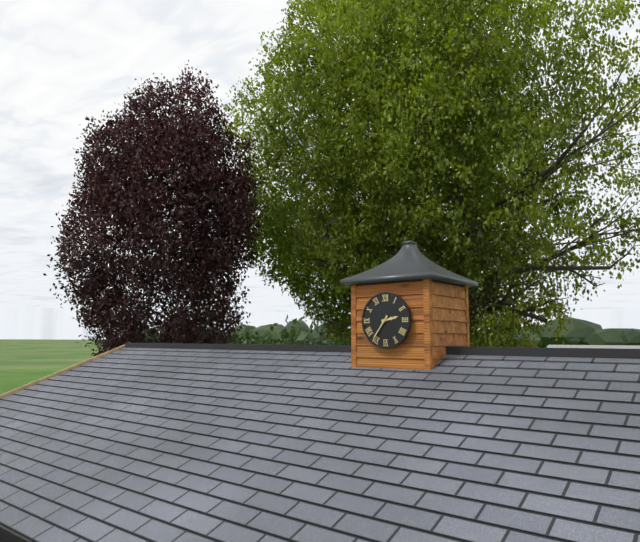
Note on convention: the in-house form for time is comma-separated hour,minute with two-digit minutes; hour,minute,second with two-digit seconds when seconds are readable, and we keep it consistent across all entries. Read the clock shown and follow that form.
2,36
